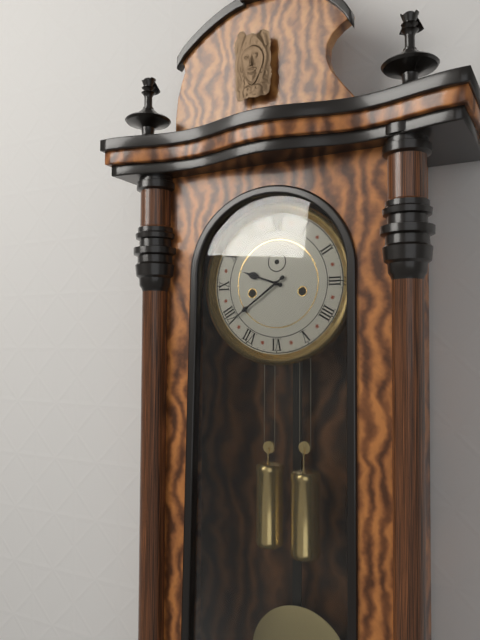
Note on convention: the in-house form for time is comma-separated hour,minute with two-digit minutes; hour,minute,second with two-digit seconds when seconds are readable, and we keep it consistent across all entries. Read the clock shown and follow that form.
9,39
